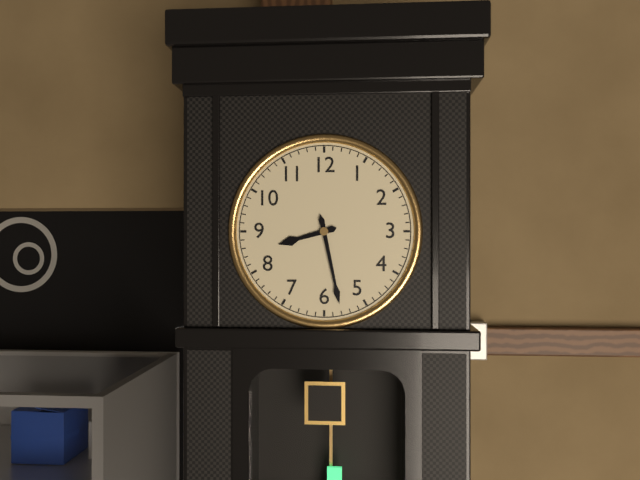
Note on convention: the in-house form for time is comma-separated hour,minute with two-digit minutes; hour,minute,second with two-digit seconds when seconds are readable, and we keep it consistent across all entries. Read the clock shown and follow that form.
8,28
